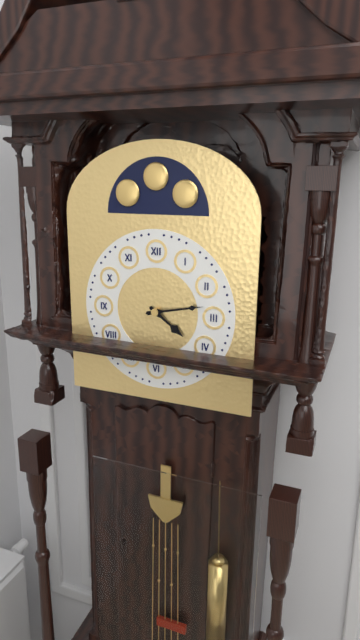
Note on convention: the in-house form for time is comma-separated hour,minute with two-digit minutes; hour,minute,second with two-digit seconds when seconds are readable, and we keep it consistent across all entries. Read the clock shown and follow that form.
4,13
